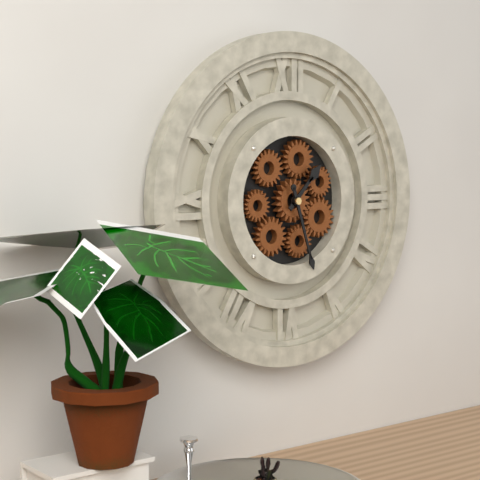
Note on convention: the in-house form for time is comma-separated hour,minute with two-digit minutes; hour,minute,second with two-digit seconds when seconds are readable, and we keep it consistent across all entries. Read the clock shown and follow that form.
1,27
